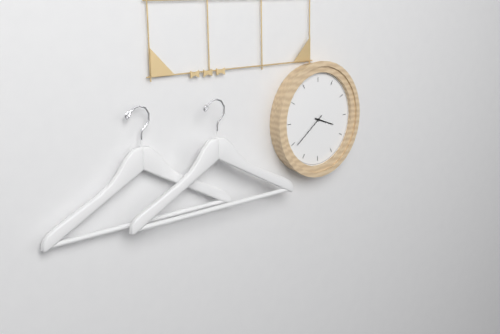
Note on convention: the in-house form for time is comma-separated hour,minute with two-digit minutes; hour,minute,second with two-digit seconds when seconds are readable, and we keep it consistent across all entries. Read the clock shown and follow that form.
3,39
